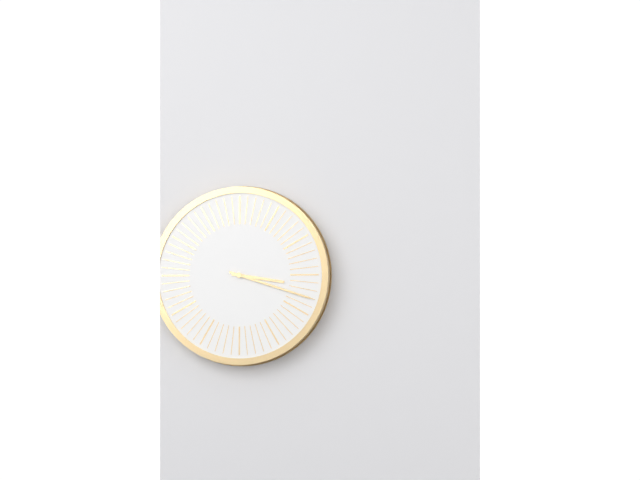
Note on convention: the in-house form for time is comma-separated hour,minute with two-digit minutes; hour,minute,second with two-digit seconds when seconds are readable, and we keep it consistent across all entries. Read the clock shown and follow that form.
3,18
